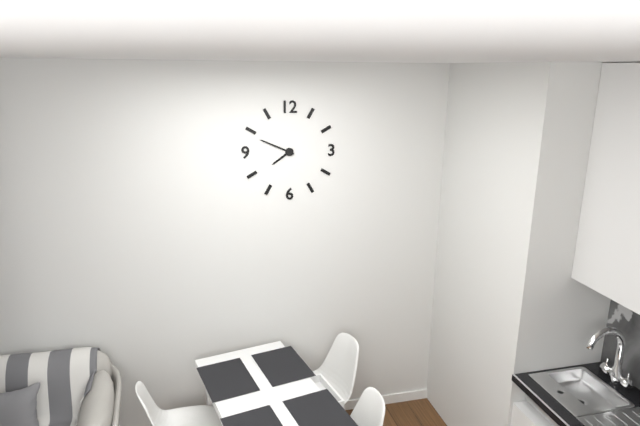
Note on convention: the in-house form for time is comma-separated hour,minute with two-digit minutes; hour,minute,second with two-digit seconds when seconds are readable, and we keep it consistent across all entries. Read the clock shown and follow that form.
7,49
